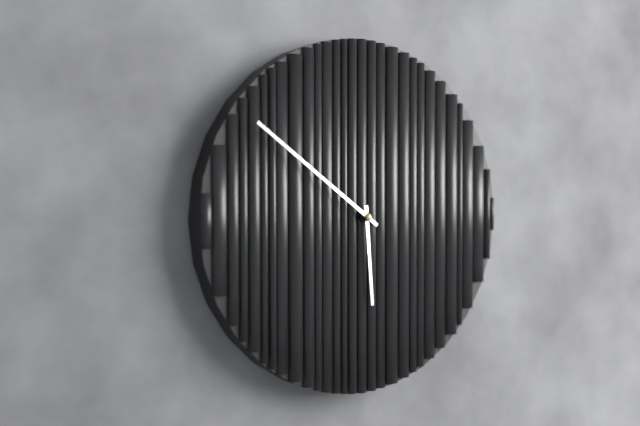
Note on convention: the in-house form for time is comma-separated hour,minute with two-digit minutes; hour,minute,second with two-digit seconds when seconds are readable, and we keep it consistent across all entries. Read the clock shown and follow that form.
5,51
